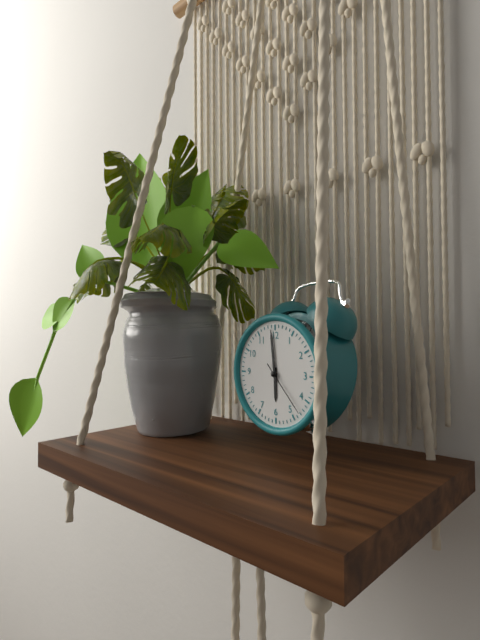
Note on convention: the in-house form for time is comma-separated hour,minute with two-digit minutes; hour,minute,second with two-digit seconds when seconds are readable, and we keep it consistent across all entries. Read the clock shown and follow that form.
5,59,23
